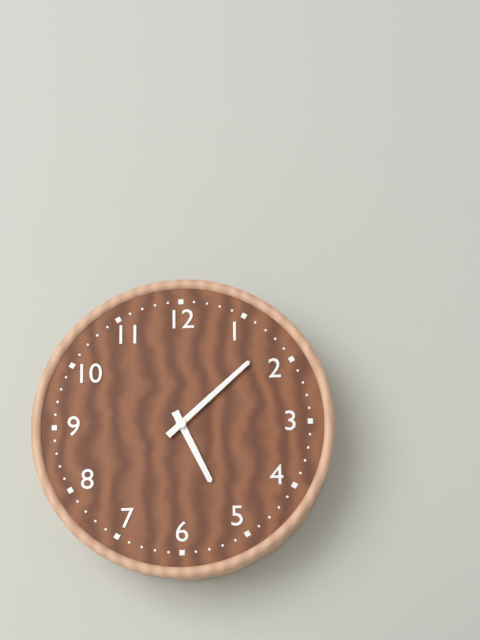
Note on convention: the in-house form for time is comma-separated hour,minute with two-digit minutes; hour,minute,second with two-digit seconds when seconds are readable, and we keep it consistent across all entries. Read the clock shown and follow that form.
5,08
